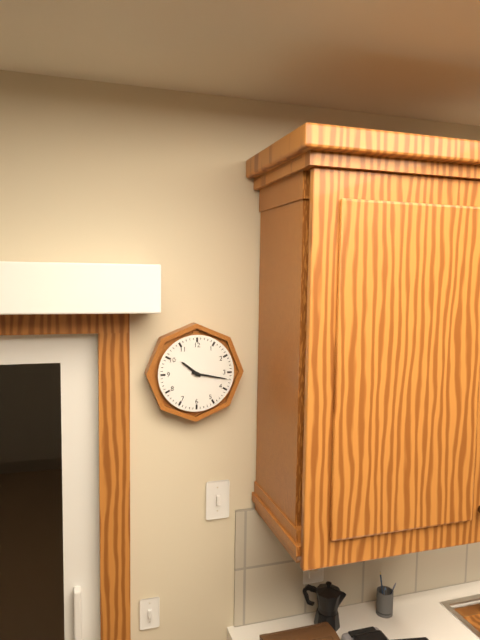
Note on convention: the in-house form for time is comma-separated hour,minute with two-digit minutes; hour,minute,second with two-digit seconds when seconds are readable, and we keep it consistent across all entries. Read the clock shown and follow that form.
10,17
